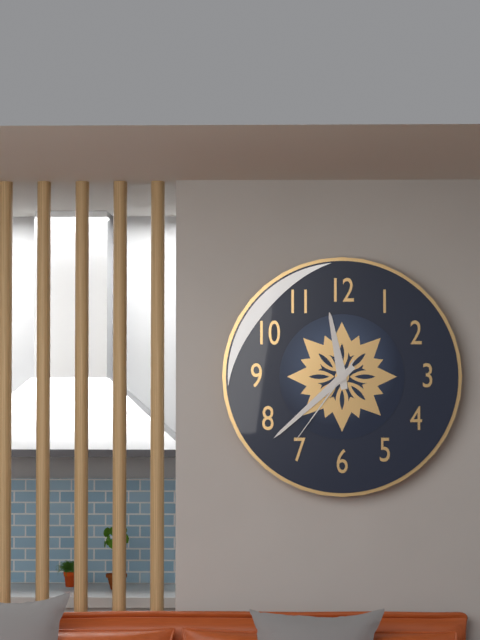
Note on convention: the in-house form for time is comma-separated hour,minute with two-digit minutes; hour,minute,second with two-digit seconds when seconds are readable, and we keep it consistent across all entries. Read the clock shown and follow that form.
11,38,36
